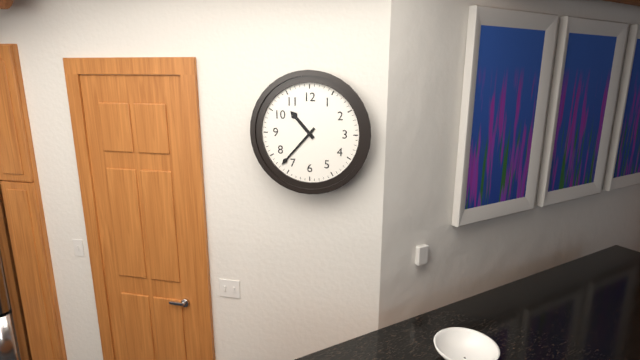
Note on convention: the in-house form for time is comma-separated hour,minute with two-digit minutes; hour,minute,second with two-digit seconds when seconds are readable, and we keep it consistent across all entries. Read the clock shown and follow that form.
10,37
